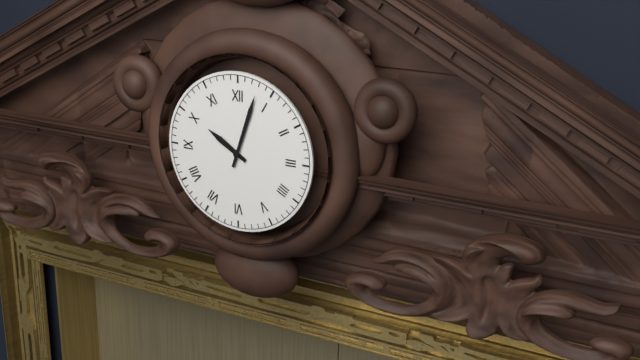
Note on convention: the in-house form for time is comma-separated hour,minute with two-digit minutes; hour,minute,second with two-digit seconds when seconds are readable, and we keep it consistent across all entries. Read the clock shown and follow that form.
10,03
